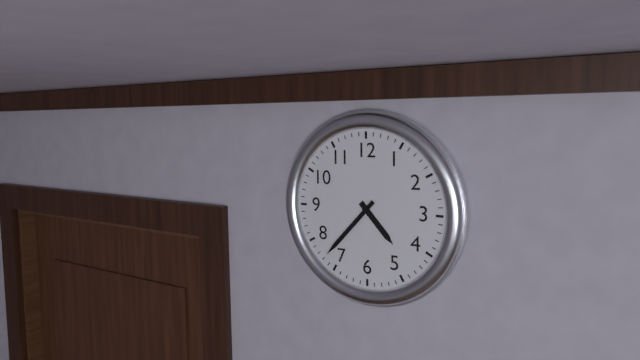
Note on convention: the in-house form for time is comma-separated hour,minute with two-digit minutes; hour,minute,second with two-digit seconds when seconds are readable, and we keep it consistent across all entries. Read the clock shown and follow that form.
4,37
